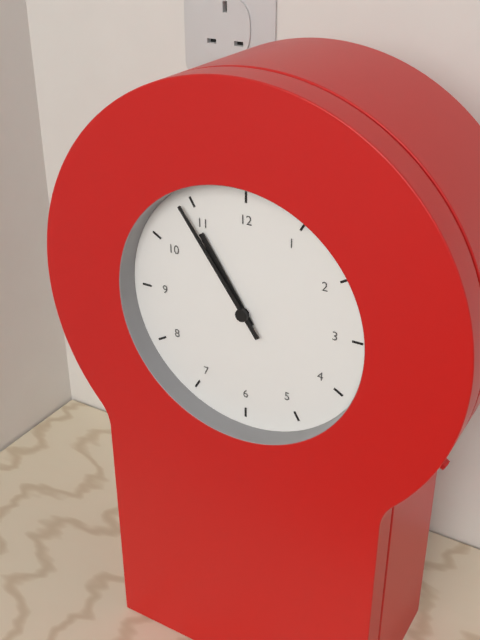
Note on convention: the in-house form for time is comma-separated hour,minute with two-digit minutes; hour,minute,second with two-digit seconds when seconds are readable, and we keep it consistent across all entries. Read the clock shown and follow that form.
10,54
